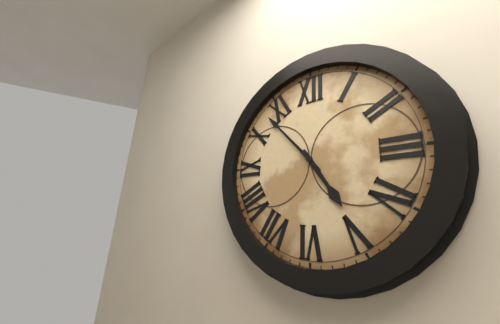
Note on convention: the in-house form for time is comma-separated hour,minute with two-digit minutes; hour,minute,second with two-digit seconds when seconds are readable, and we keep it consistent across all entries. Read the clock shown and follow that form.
4,53
